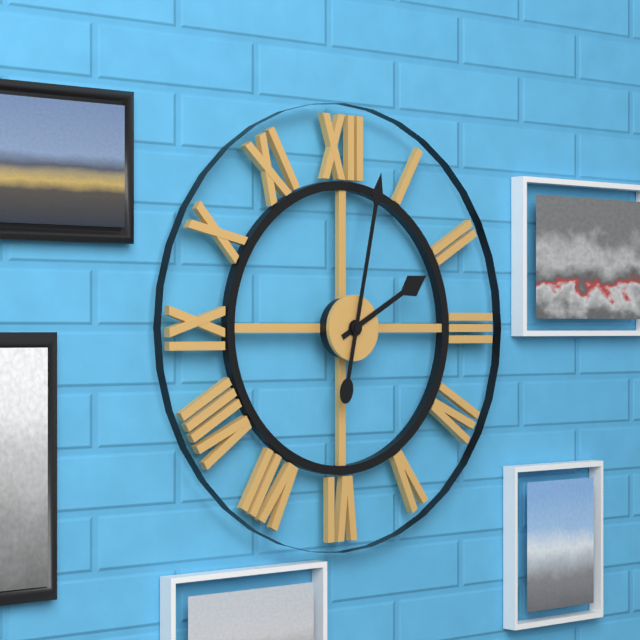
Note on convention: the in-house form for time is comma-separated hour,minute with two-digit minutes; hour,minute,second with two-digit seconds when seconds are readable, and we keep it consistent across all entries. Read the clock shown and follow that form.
2,02
